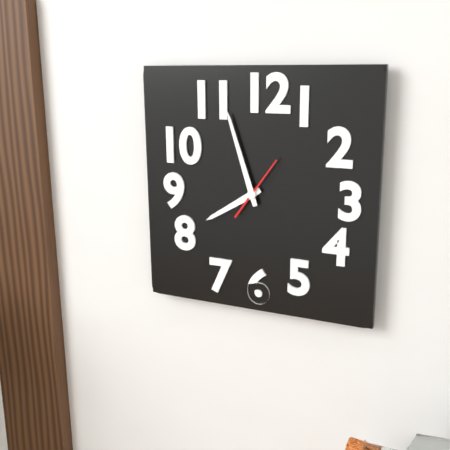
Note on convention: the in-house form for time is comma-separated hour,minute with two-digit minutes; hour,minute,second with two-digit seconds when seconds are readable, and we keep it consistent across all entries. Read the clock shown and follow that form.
7,57,06
